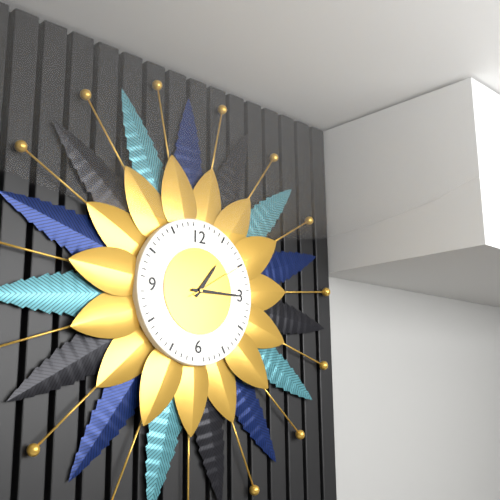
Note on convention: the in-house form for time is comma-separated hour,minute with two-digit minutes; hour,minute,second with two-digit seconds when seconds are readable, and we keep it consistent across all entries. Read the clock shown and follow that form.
1,15,10
